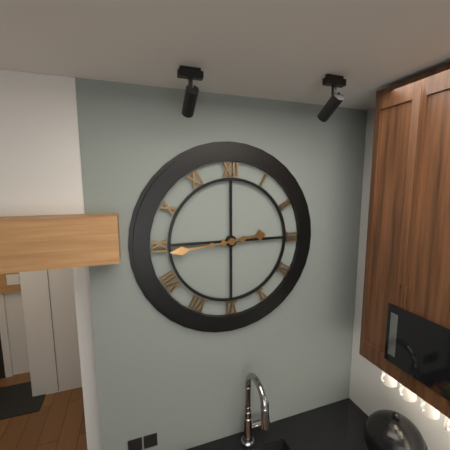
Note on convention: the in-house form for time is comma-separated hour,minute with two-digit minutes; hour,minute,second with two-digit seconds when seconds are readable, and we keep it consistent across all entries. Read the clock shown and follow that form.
2,44
